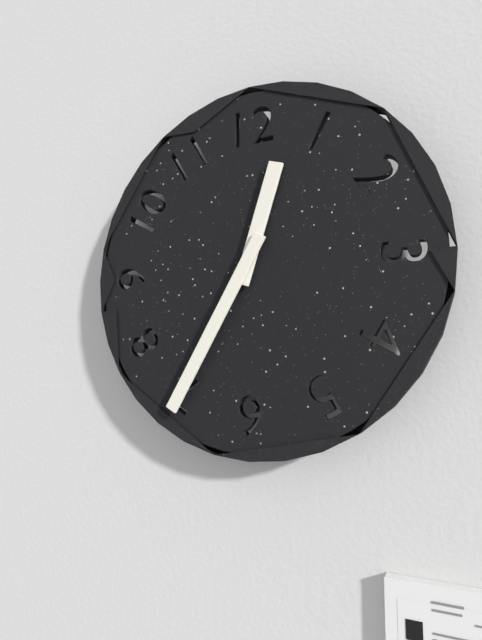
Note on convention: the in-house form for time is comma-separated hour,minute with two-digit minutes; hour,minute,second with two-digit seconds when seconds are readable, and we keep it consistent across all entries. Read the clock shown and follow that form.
12,35
